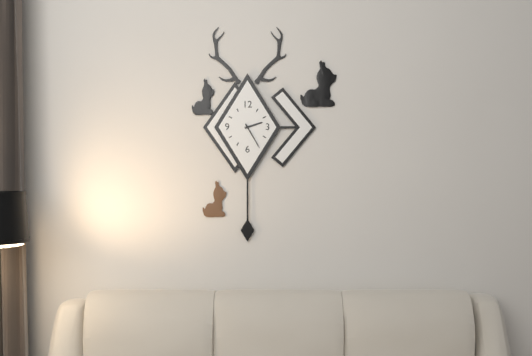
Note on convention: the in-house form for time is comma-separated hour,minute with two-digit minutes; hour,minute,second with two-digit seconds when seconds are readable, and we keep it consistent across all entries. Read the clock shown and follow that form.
2,25
